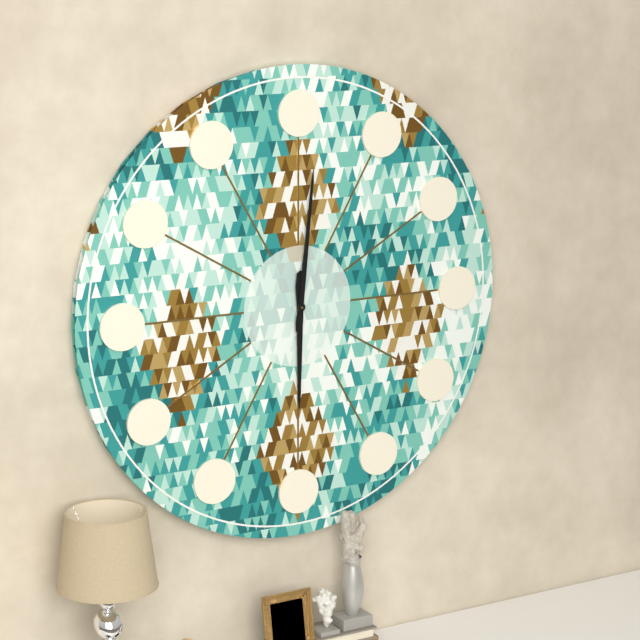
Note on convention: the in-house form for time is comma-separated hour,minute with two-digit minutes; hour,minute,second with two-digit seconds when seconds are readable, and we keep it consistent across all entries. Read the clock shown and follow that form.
6,01
